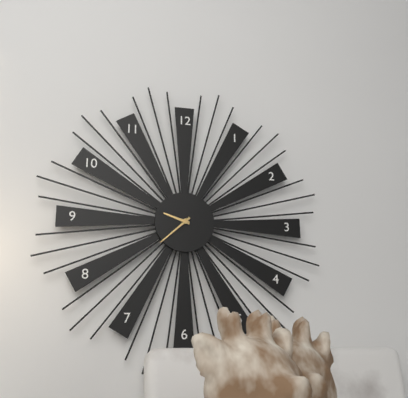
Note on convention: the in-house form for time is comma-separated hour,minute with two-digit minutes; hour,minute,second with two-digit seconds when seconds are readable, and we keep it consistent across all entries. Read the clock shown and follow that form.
9,38
